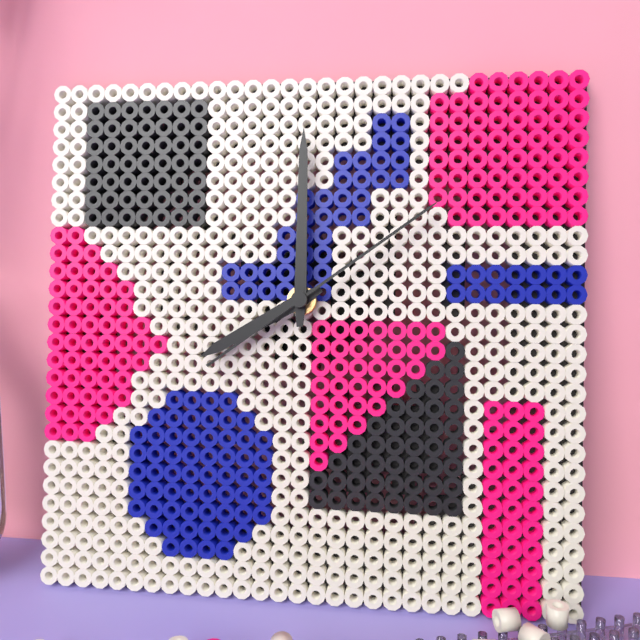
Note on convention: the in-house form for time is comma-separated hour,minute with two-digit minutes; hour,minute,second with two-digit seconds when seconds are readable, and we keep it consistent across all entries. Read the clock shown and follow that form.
8,00,09
